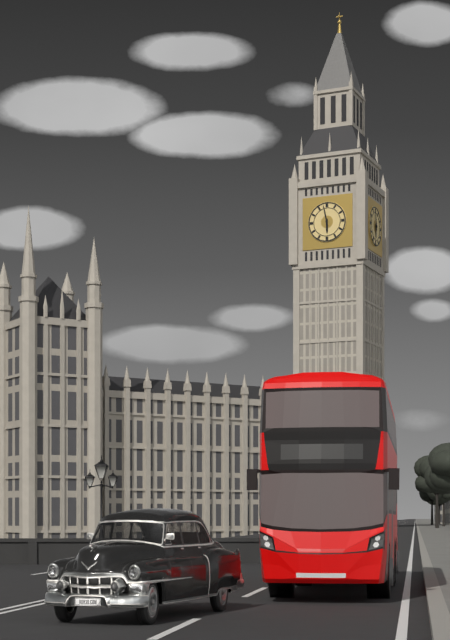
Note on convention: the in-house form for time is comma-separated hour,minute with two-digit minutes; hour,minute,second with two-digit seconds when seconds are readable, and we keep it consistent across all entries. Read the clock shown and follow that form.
5,58
